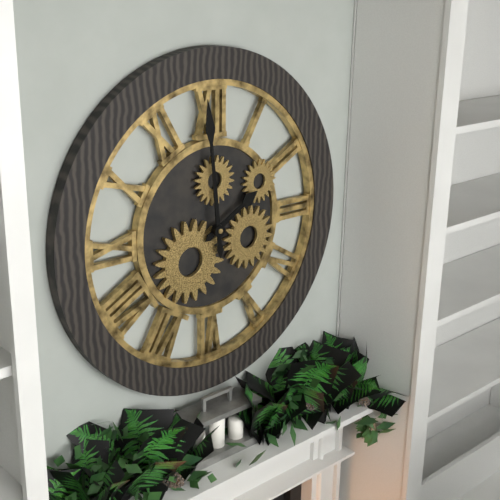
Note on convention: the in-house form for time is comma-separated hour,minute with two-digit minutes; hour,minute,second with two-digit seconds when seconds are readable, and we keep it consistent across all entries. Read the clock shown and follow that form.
1,59
